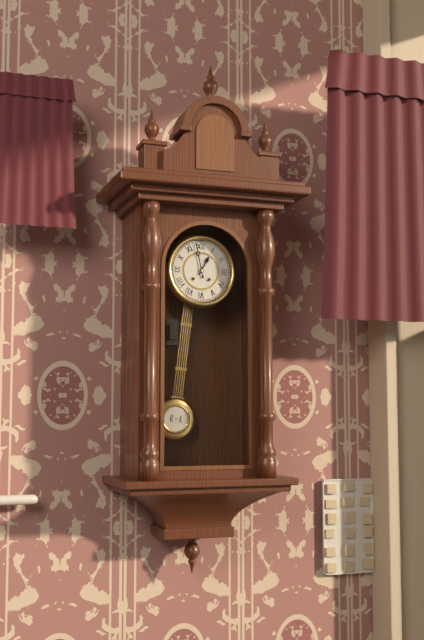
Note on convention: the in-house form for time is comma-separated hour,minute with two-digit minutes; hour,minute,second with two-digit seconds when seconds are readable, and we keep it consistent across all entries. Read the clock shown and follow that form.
12,58
